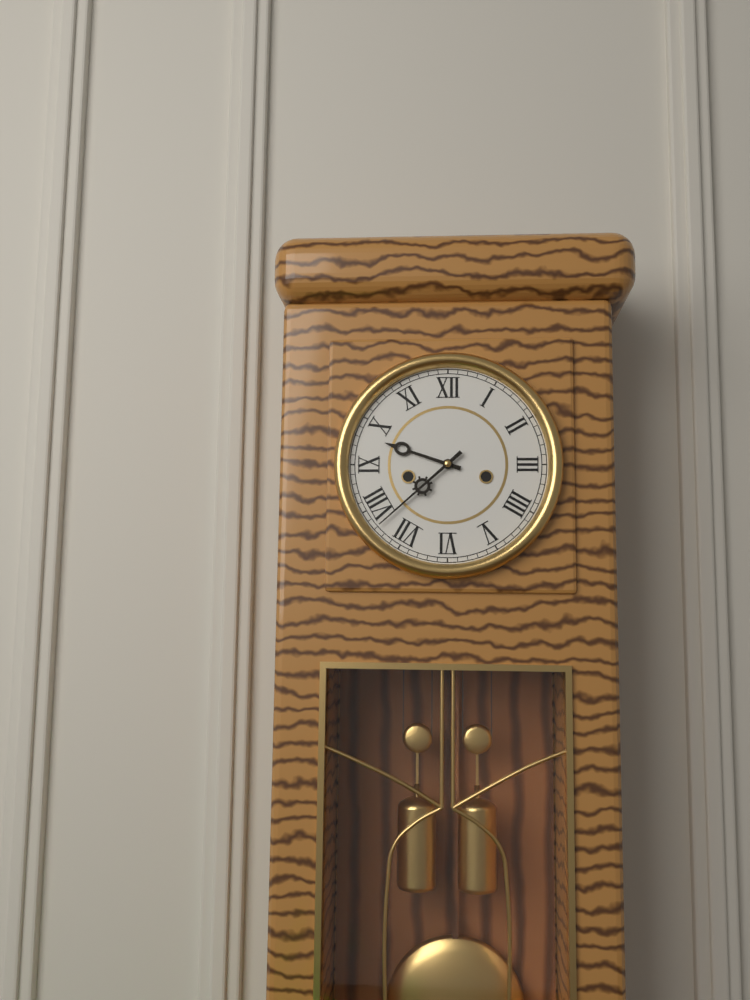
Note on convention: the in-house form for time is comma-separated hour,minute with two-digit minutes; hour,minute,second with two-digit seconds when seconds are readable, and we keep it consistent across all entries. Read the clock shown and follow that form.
9,38
